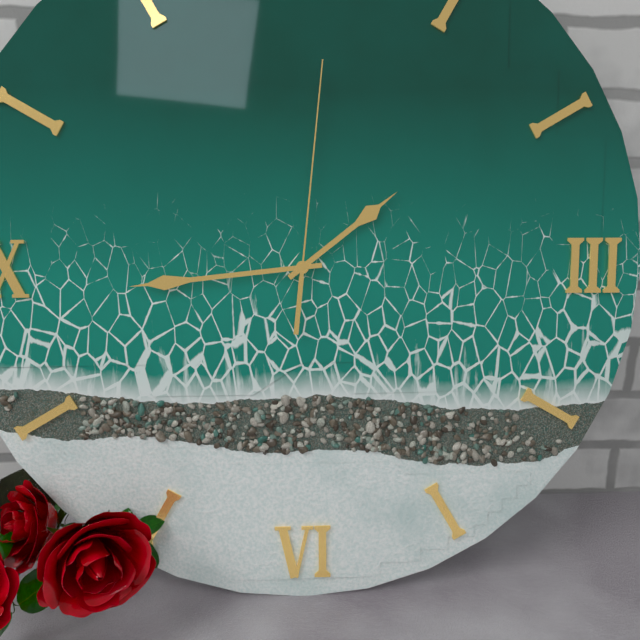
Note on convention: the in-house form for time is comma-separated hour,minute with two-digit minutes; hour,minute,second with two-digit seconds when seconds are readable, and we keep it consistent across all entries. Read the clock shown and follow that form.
1,44,01
